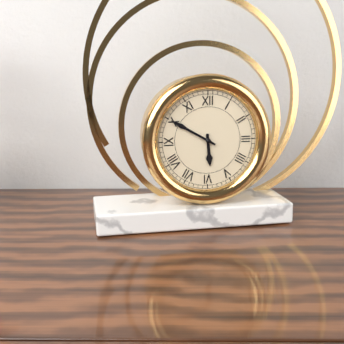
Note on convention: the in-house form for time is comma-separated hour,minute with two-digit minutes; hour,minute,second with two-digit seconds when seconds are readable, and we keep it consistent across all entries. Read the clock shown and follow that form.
5,50
